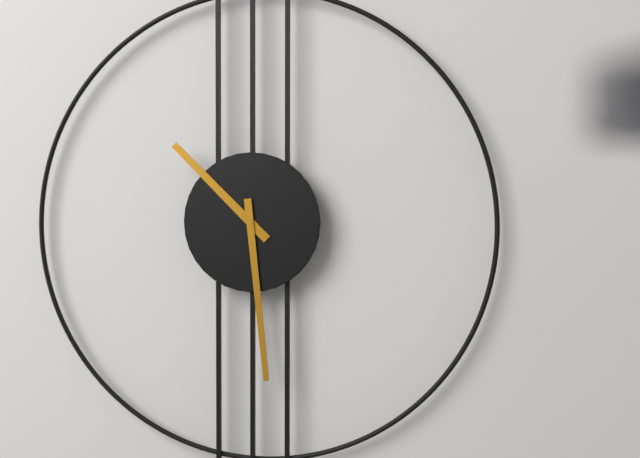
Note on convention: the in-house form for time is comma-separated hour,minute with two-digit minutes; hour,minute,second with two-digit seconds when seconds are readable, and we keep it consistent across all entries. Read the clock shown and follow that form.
10,29
